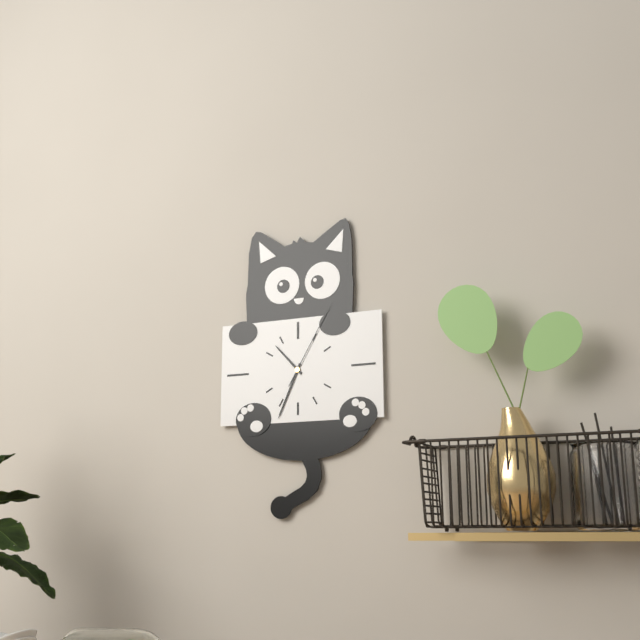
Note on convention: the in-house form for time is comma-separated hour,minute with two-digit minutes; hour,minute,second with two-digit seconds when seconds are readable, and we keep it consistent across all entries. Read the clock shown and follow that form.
10,34,05
